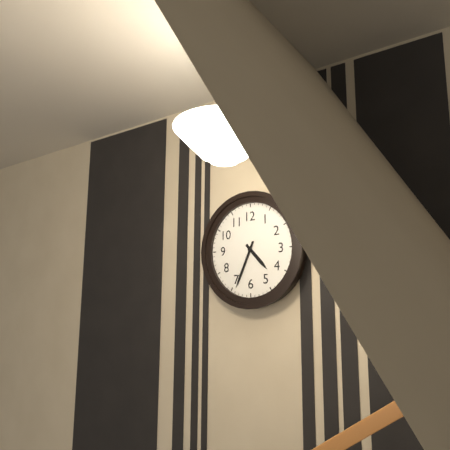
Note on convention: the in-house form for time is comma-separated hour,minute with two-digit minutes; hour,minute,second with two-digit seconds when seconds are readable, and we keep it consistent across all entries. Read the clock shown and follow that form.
4,34
